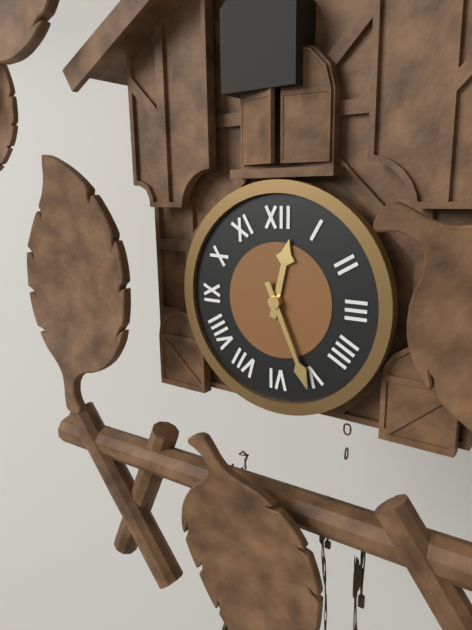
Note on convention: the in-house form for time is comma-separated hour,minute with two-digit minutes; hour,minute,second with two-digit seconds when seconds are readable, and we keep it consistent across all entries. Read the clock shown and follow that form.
12,26
